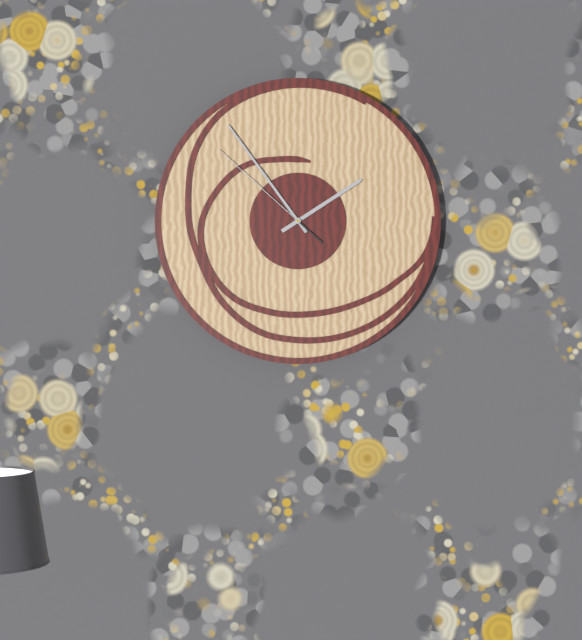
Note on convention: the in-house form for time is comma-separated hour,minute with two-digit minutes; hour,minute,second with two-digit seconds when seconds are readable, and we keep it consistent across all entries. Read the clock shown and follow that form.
1,54,52
